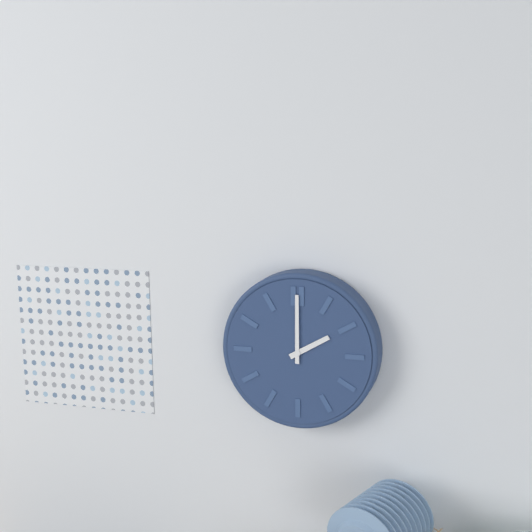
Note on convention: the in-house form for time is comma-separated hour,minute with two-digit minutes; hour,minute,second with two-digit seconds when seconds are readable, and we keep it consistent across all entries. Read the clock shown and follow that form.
2,00
